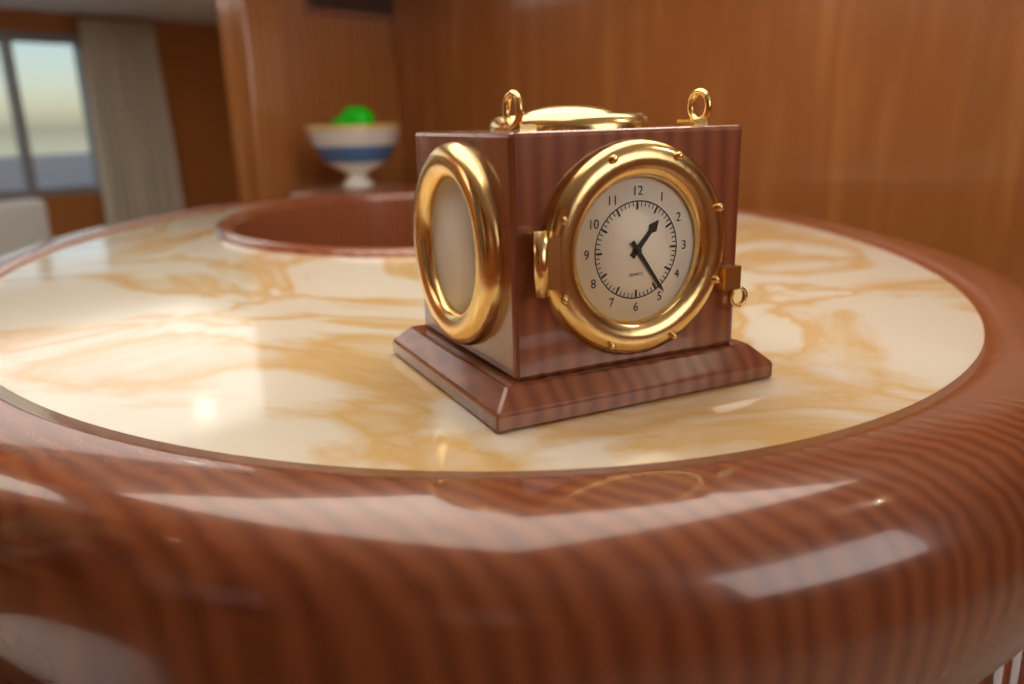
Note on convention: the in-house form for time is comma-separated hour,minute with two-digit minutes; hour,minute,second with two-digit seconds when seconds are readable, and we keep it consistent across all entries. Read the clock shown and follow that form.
1,24
